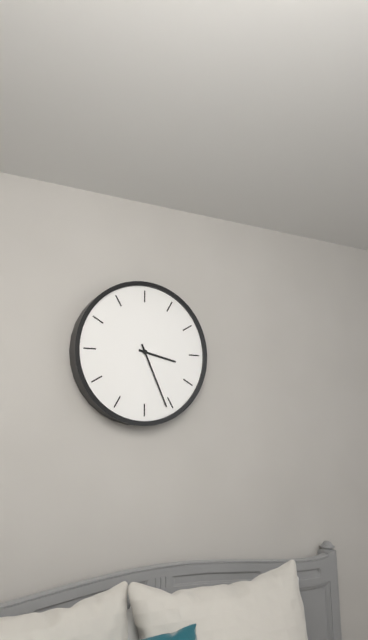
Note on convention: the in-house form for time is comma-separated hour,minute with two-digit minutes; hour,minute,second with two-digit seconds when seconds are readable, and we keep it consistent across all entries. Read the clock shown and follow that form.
3,26
